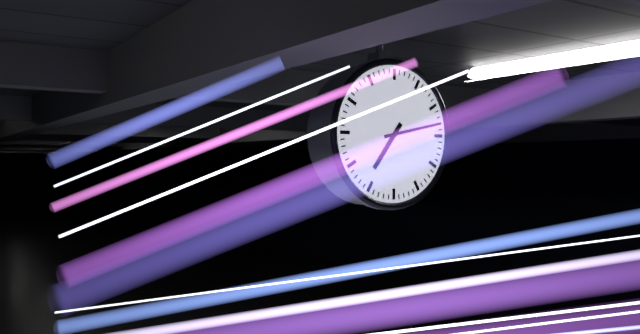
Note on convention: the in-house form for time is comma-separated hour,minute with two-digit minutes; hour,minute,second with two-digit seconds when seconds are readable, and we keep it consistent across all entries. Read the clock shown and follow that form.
7,13
